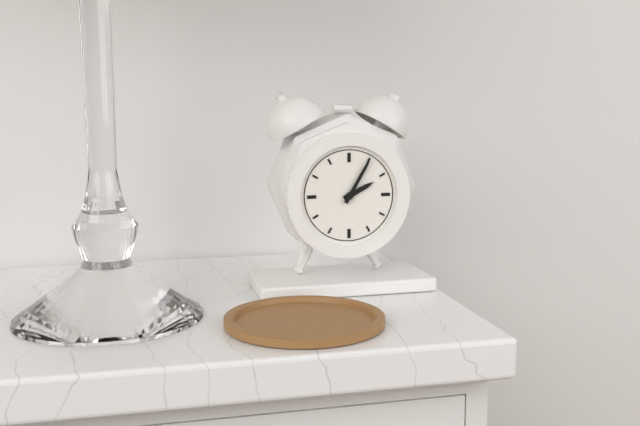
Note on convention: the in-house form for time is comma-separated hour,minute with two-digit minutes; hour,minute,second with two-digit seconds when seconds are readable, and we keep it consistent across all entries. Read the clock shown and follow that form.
2,05
